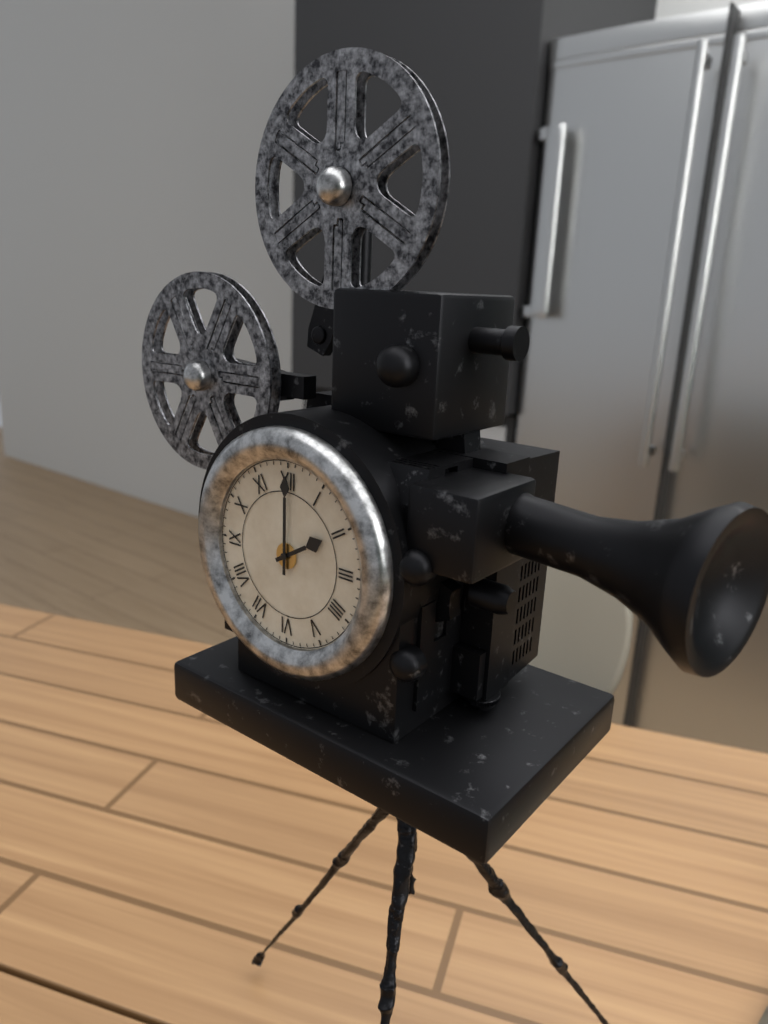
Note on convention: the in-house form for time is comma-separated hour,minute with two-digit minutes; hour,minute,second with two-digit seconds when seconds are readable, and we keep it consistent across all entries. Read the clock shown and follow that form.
2,00
